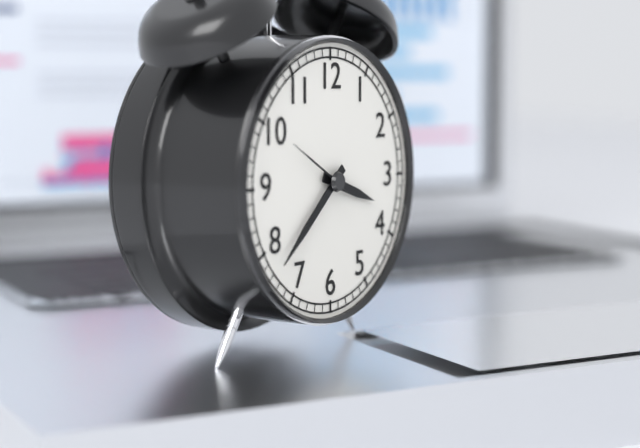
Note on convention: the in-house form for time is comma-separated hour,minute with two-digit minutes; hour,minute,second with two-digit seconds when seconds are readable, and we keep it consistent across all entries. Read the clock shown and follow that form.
3,38,50
